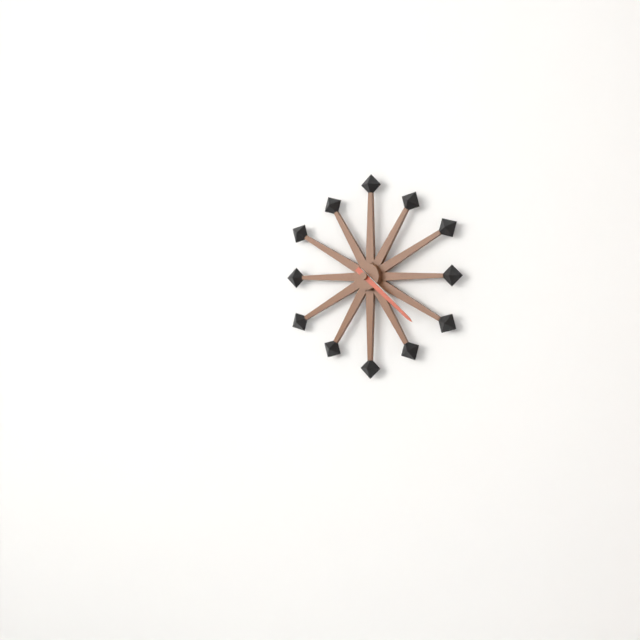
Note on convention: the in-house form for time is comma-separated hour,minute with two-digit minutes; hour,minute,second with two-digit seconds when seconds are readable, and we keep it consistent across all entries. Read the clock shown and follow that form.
4,22
